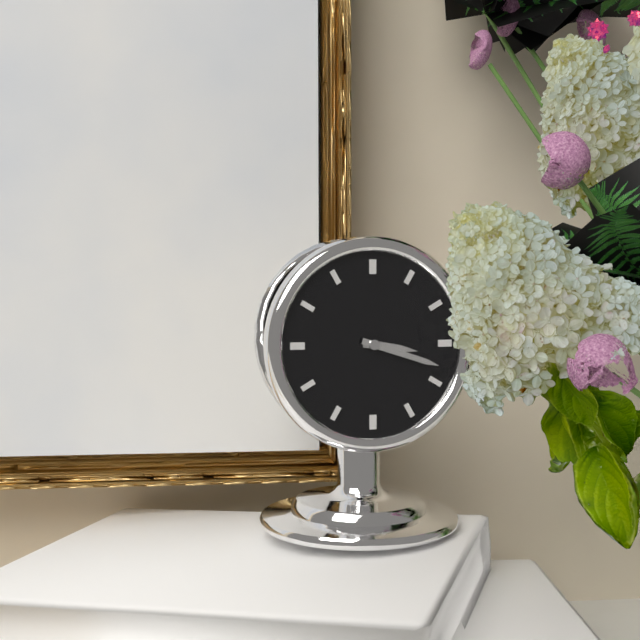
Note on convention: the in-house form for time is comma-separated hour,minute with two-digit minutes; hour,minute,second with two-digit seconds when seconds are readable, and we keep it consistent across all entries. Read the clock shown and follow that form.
3,18
